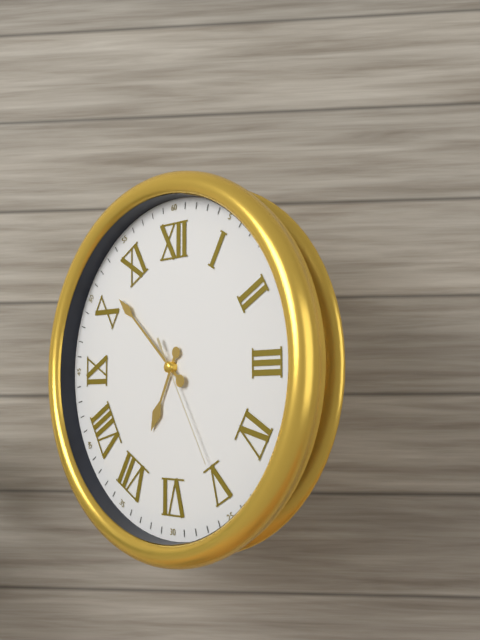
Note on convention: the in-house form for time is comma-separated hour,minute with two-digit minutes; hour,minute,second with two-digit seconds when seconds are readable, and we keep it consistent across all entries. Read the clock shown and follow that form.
6,52,25
